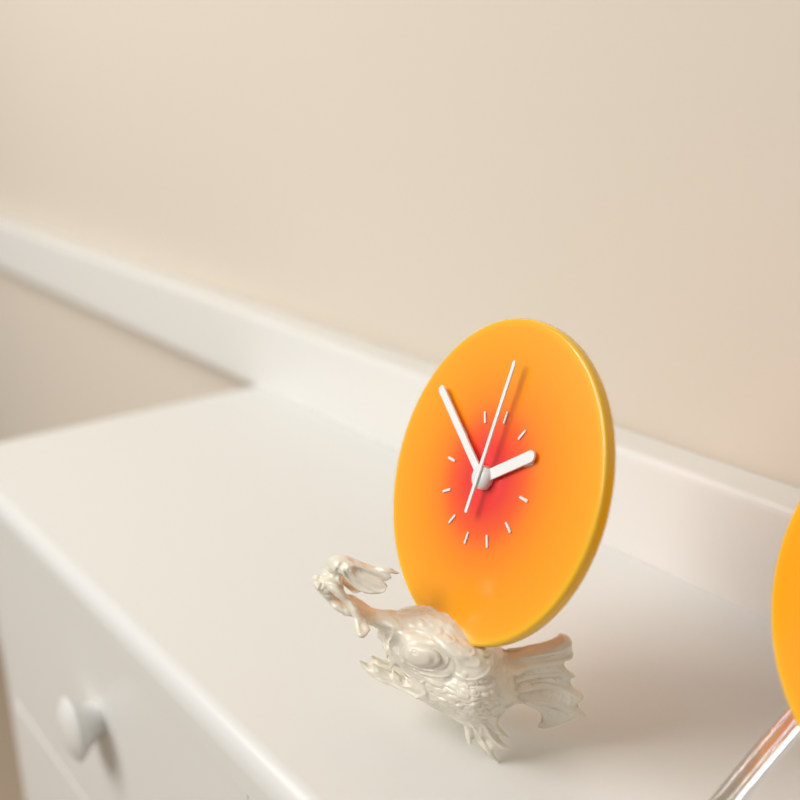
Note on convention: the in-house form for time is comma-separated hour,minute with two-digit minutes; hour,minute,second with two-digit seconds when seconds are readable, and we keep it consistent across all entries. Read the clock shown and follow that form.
1,50,00
